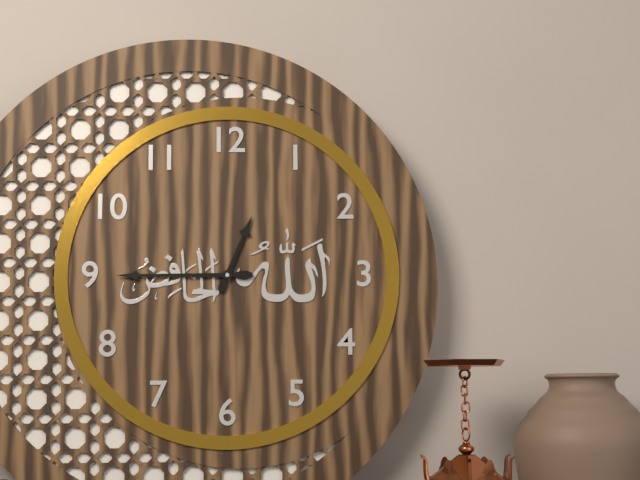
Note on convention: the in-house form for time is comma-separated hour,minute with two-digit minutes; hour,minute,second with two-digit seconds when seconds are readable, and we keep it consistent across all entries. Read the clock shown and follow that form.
12,45
